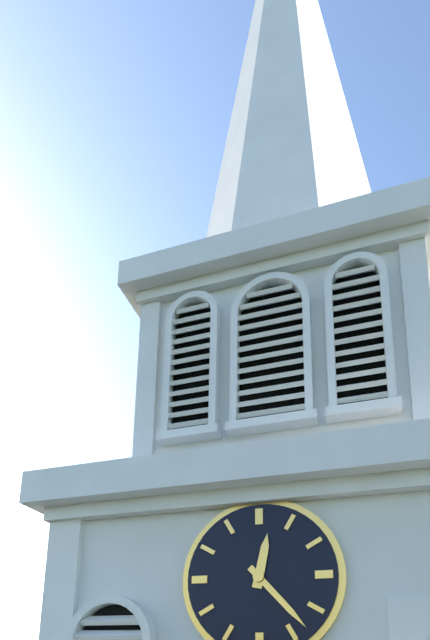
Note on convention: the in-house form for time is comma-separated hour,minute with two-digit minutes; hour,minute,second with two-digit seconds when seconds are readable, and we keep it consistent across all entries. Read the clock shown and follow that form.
12,23
